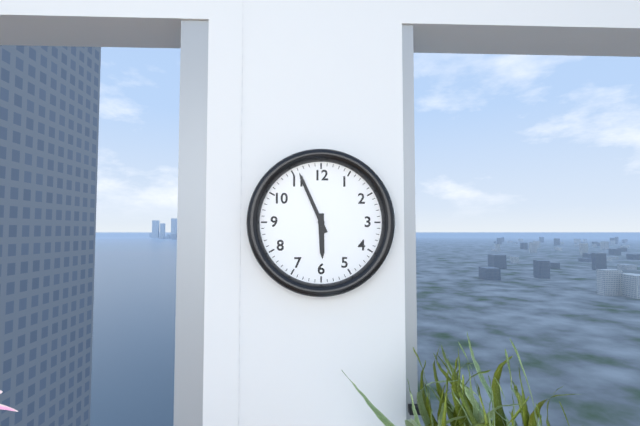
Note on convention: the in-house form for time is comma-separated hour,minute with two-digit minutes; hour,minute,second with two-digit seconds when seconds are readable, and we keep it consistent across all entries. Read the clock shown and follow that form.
5,56
